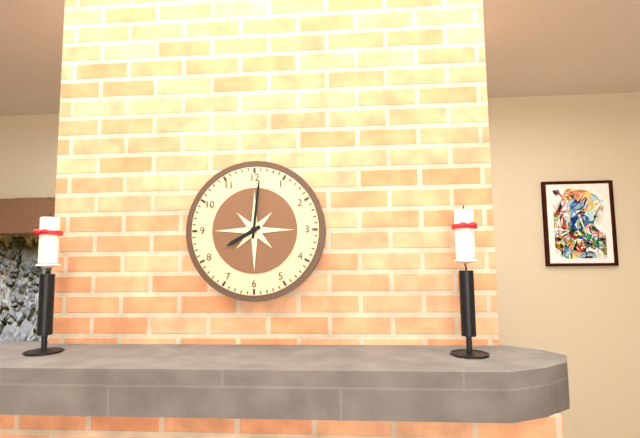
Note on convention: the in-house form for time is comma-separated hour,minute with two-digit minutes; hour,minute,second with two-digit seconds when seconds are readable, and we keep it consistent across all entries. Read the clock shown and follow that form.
8,01
